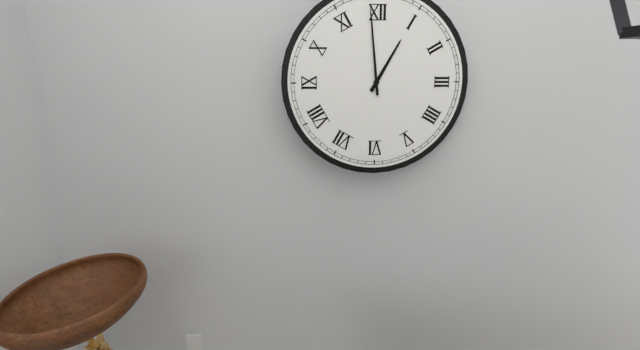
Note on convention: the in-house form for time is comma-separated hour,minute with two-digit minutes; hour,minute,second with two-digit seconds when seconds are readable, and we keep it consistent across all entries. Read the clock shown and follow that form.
12,59
